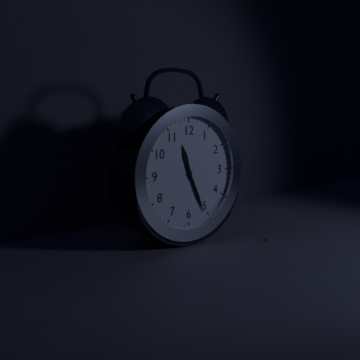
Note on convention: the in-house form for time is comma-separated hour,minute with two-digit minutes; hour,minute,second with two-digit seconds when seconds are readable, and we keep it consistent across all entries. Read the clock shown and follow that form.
11,26
